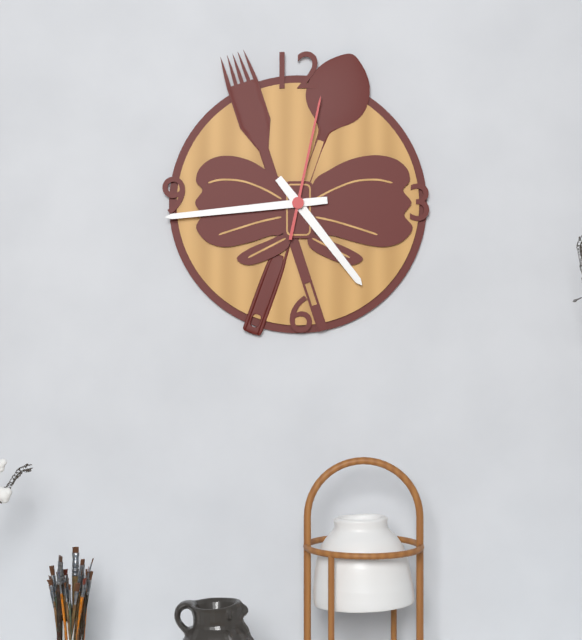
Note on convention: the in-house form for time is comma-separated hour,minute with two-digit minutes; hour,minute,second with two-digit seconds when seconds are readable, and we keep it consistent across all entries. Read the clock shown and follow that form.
4,44,02
